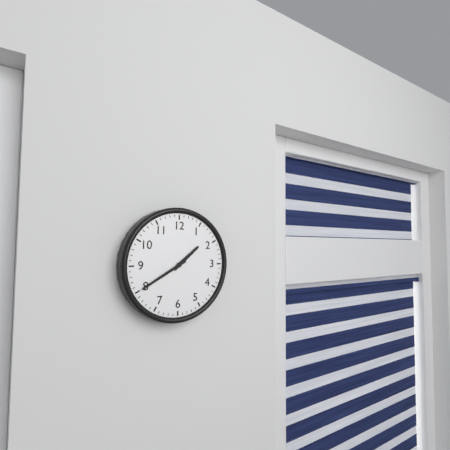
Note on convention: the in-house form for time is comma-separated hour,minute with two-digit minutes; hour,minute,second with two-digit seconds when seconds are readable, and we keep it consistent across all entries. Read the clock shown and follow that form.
1,40
